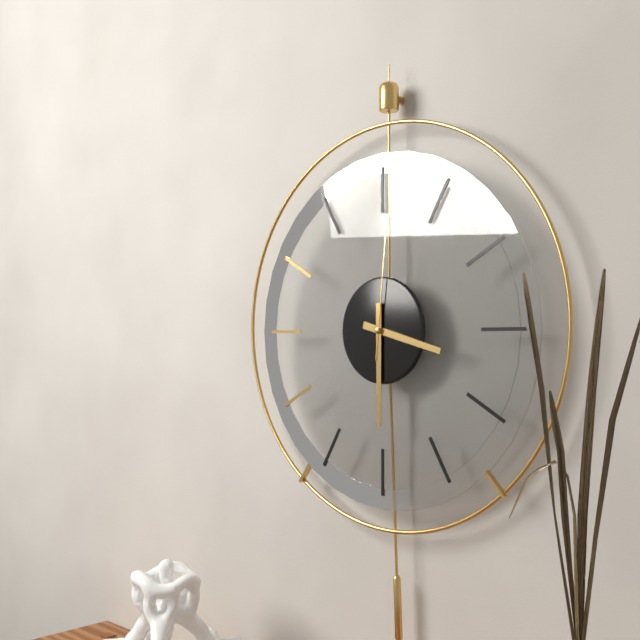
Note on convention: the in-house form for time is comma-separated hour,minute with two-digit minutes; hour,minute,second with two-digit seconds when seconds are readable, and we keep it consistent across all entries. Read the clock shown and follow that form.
3,30,01
